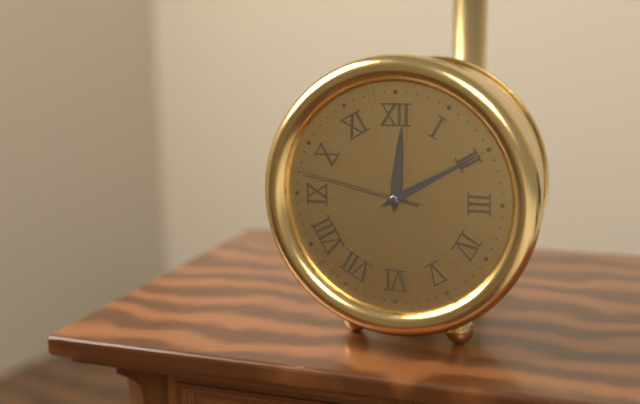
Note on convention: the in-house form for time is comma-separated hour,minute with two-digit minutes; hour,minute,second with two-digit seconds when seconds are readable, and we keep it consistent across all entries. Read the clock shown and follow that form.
12,10,47
